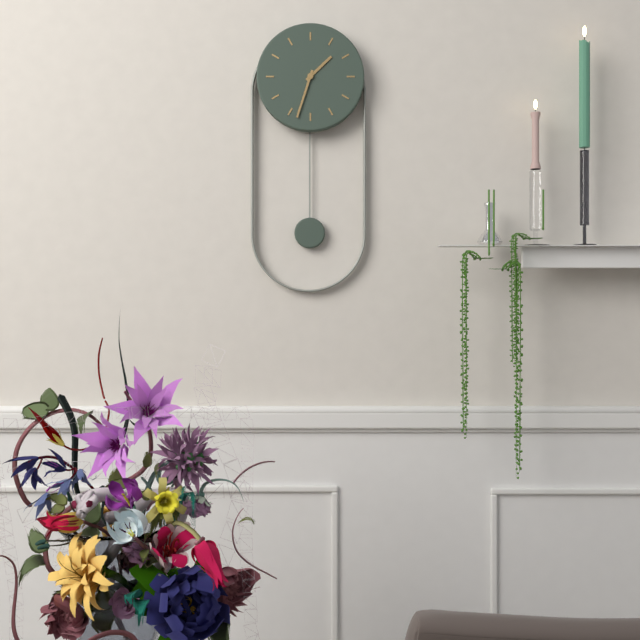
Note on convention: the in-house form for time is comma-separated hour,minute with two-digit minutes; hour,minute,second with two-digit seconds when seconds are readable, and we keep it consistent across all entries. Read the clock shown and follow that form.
1,33
